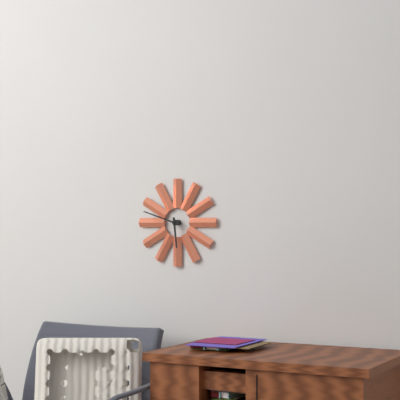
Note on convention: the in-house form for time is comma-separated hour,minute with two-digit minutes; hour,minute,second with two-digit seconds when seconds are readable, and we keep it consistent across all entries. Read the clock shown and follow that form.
5,48
